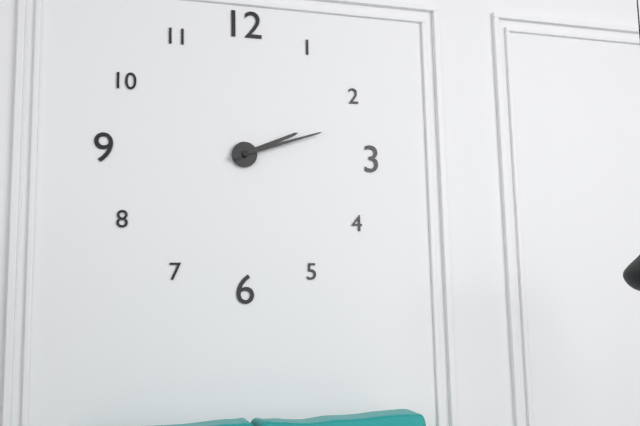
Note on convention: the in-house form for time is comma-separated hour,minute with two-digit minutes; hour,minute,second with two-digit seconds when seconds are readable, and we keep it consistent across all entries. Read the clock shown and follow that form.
2,12
